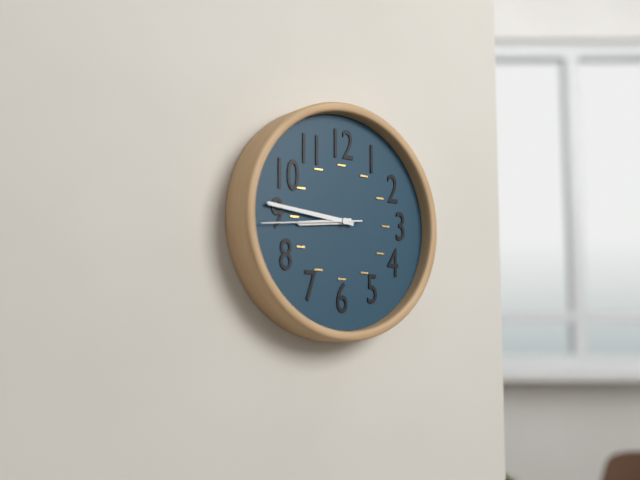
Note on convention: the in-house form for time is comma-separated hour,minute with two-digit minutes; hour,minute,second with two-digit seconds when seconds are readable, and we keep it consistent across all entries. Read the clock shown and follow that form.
8,46,44
